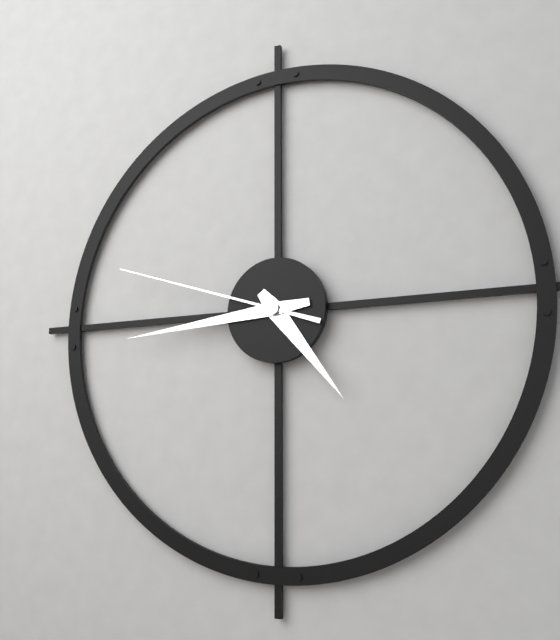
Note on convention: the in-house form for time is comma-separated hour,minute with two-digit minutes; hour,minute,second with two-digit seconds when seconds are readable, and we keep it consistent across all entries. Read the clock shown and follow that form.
4,44,48
